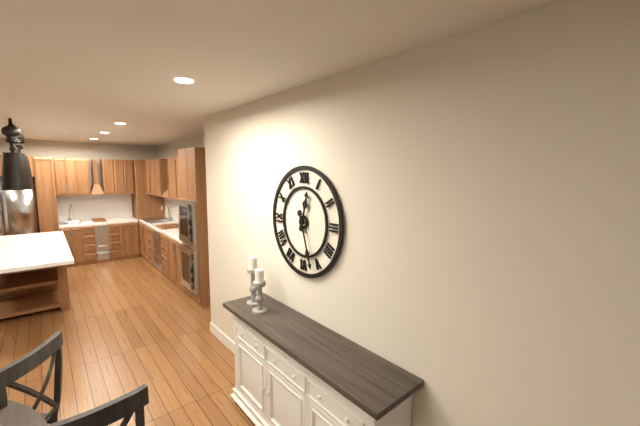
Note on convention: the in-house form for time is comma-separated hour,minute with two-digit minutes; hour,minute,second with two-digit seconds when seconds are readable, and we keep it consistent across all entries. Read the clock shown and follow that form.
12,27
